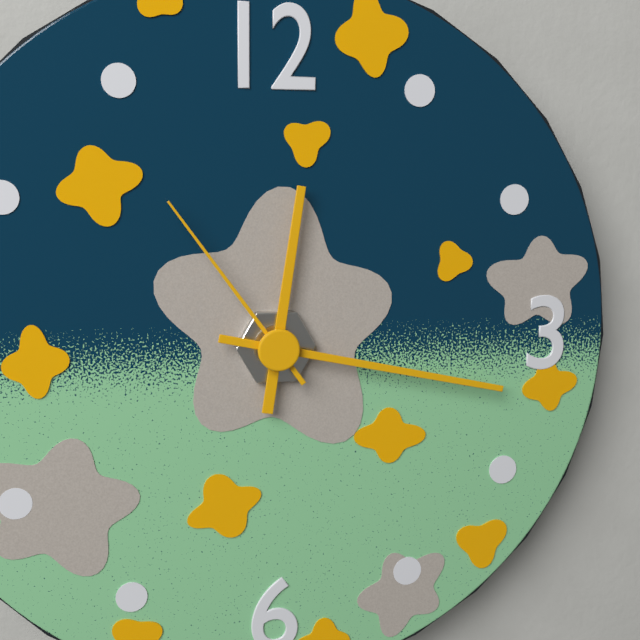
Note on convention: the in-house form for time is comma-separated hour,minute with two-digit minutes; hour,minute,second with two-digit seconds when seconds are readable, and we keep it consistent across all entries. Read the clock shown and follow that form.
12,17,54
